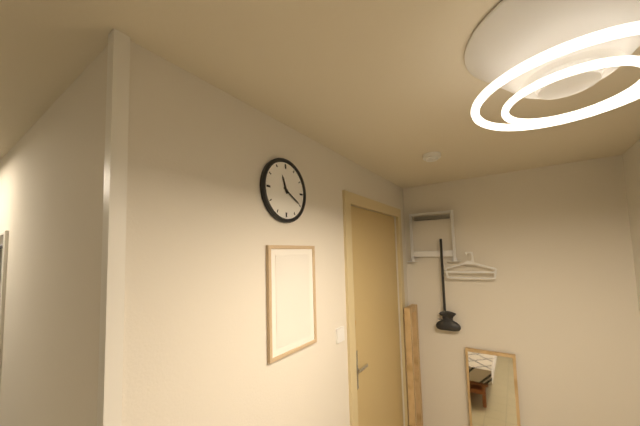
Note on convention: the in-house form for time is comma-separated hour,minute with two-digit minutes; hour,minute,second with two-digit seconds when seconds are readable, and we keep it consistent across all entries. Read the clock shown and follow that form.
11,20
